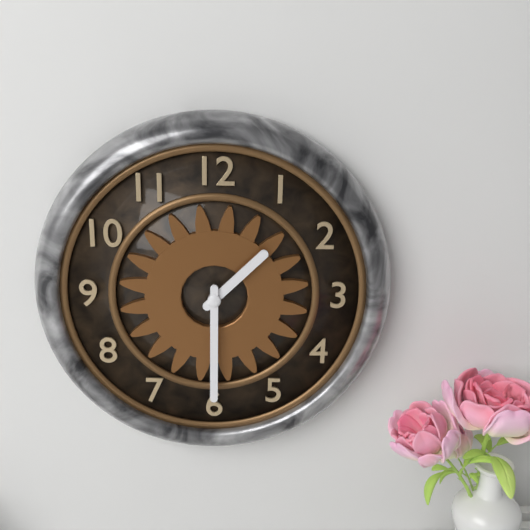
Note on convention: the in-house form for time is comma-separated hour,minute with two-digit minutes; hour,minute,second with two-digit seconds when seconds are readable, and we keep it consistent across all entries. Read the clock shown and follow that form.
1,30
